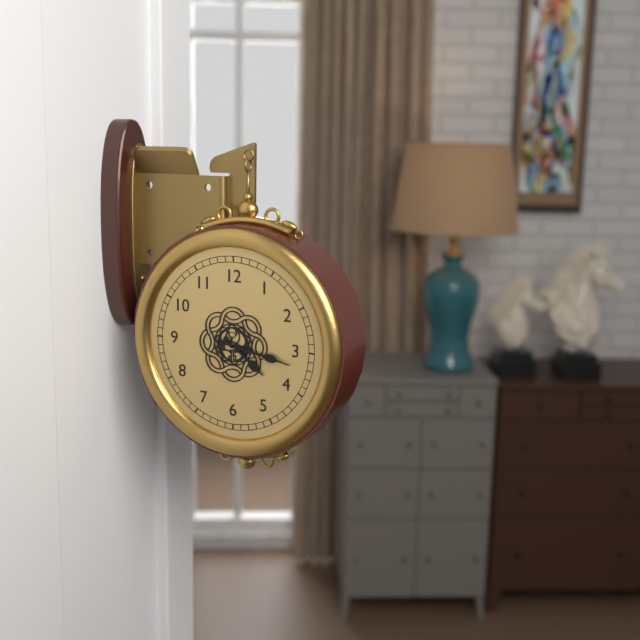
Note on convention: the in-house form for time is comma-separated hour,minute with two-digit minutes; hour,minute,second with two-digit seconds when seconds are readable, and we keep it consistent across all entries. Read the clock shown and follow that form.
4,17
